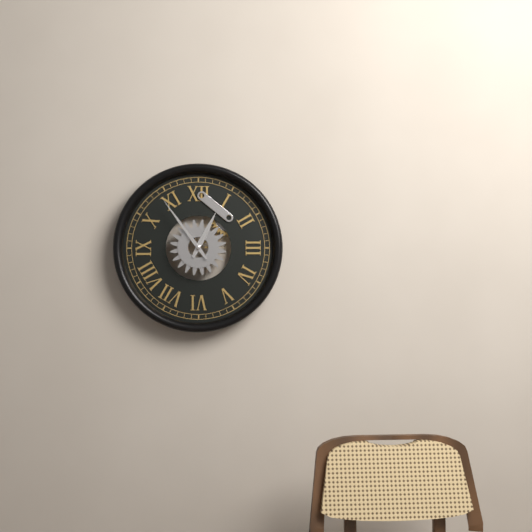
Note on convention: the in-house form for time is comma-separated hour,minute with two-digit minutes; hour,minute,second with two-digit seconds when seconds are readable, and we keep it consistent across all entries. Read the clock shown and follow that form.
12,54
